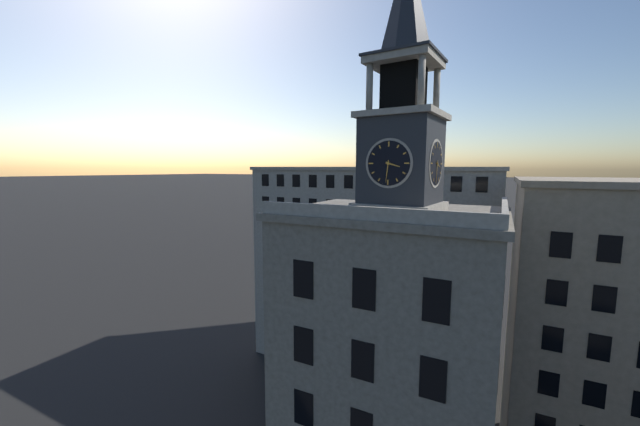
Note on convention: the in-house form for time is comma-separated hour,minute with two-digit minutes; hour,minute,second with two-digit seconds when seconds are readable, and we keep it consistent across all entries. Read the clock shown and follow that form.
3,31
